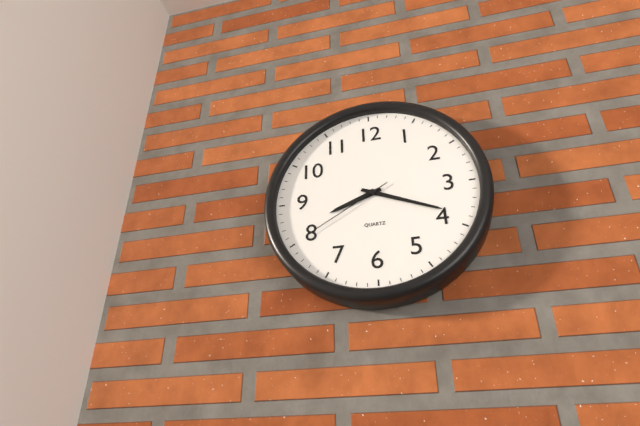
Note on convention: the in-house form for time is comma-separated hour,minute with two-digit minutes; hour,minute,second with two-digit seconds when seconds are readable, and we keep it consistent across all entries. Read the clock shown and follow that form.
8,19,40
